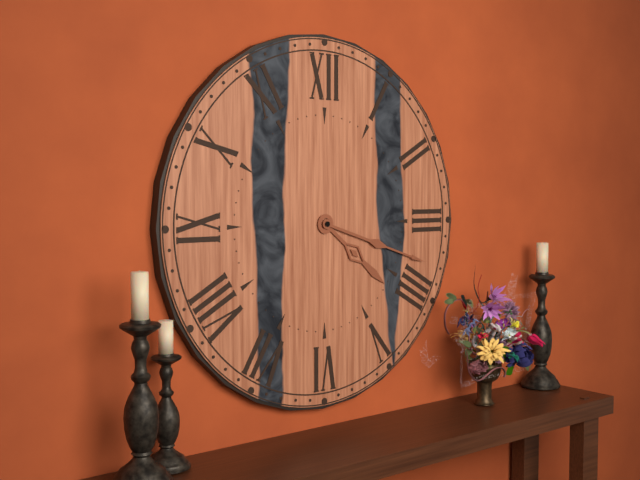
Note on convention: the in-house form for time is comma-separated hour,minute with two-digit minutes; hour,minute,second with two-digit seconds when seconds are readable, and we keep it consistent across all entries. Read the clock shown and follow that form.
4,18
